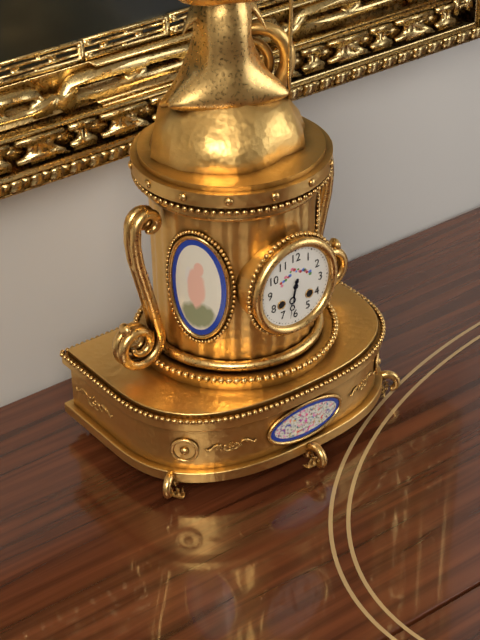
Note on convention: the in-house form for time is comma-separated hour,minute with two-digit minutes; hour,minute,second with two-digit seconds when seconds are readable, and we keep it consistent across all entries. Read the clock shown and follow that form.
6,32
